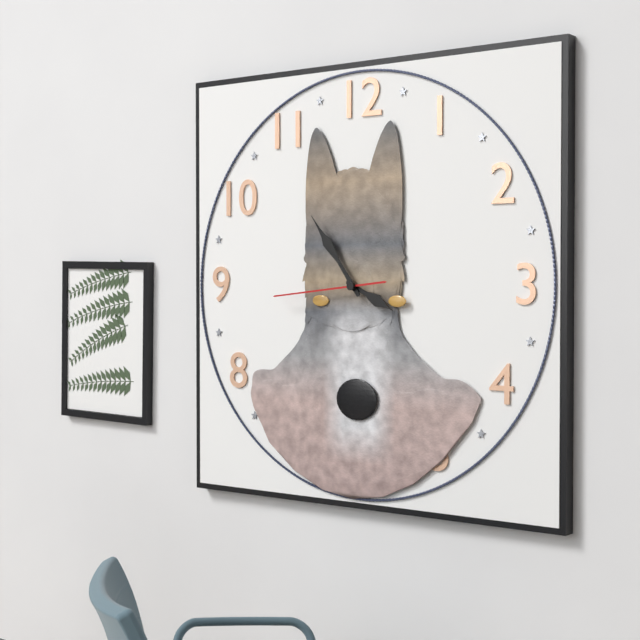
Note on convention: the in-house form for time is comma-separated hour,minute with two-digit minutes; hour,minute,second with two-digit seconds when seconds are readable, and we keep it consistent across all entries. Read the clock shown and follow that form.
3,54,44
